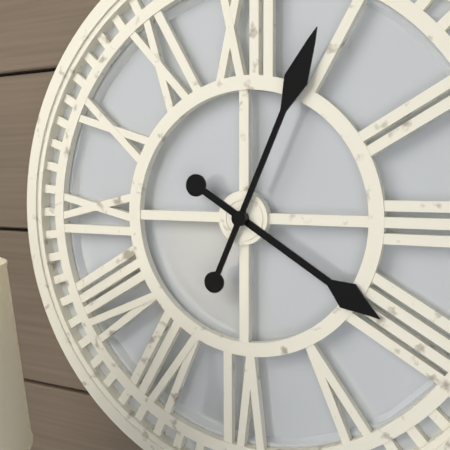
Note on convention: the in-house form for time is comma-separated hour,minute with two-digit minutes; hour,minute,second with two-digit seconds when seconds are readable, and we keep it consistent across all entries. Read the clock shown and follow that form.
4,04
